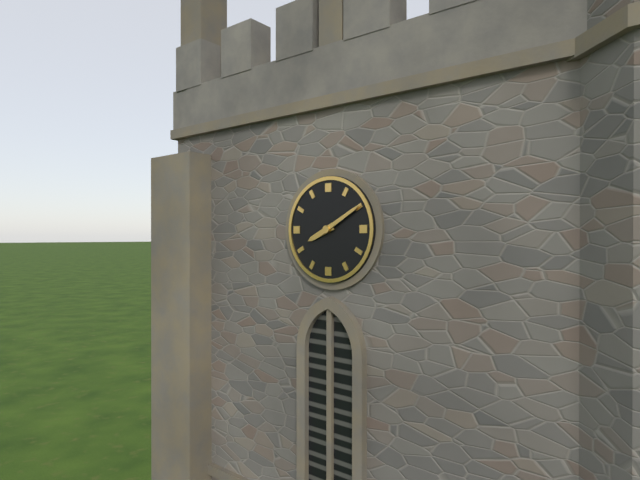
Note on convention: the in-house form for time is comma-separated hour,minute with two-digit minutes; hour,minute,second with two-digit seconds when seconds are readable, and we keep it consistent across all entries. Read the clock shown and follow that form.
8,10
